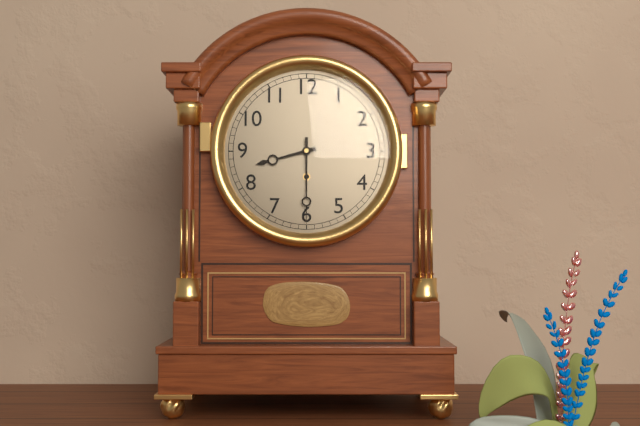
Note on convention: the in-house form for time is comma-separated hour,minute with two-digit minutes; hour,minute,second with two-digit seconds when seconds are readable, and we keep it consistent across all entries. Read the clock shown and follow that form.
8,30
